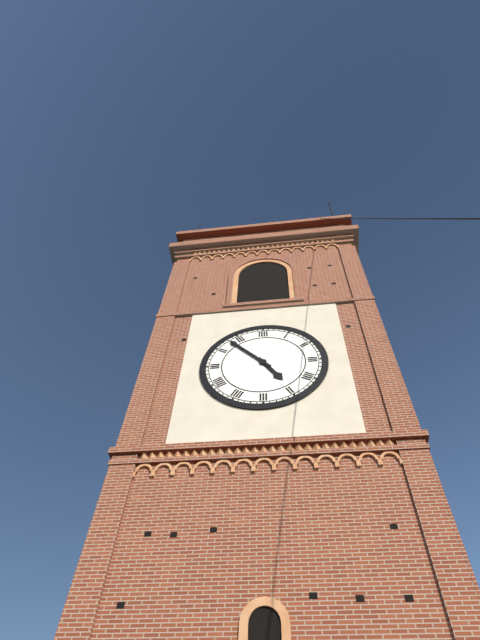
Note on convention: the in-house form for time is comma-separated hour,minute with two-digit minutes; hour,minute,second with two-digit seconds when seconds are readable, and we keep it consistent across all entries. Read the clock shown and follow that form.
4,53
